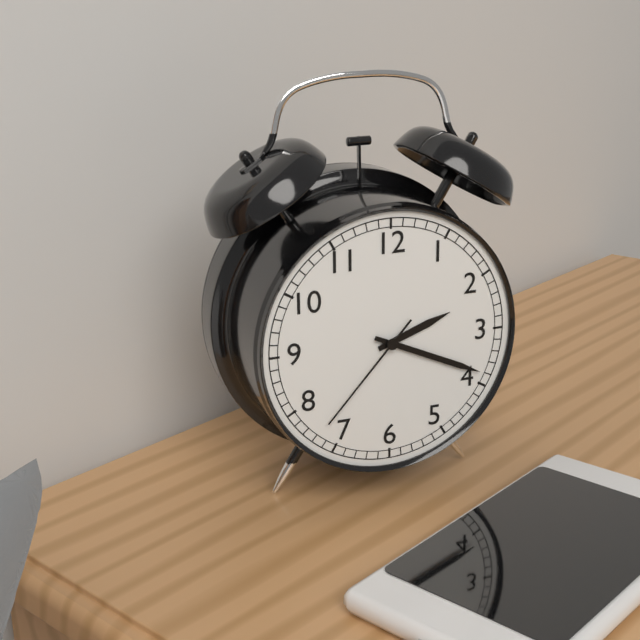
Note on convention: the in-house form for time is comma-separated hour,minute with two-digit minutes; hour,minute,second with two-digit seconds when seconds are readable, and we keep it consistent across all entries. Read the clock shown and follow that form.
2,19,37
